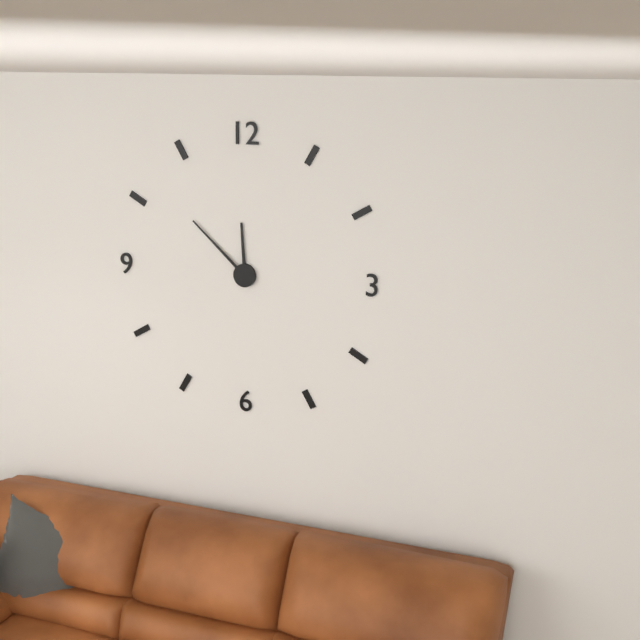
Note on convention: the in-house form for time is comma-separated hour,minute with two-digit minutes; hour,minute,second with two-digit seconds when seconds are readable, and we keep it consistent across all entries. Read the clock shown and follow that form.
11,52
